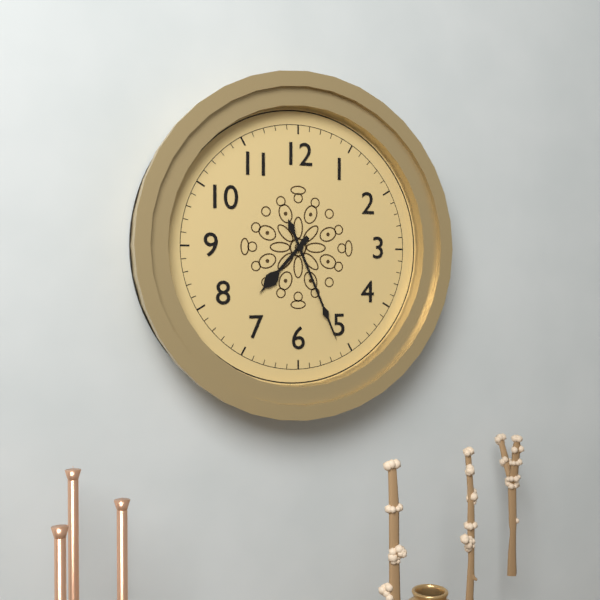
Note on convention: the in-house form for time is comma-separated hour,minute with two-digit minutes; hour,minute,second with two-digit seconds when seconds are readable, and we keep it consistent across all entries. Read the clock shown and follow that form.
7,26
